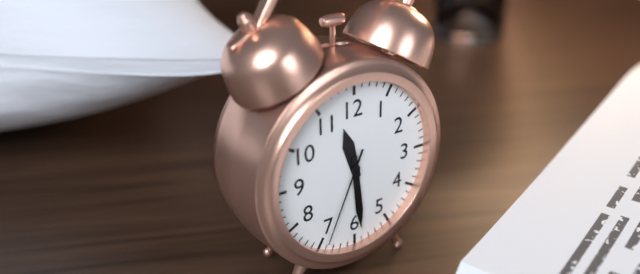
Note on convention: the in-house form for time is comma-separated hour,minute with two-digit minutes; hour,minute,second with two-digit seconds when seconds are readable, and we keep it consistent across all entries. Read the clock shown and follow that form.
11,29,34
